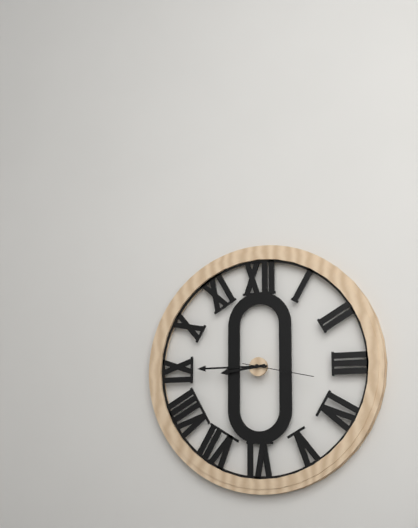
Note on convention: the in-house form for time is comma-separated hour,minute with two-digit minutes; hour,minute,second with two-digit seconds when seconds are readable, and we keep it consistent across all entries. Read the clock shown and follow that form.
8,45,17
